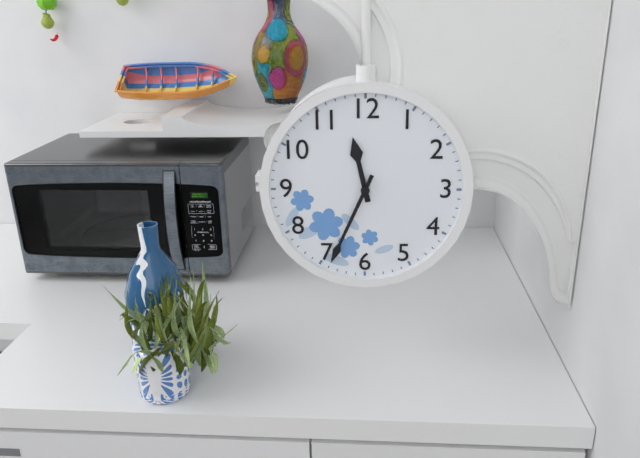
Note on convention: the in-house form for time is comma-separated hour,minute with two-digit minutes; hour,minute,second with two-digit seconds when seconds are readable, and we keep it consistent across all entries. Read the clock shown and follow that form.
11,34
